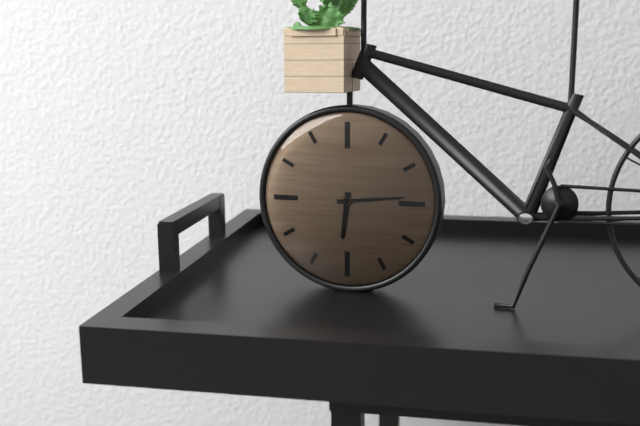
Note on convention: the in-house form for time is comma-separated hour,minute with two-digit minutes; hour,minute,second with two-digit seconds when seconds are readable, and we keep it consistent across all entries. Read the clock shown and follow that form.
6,14
